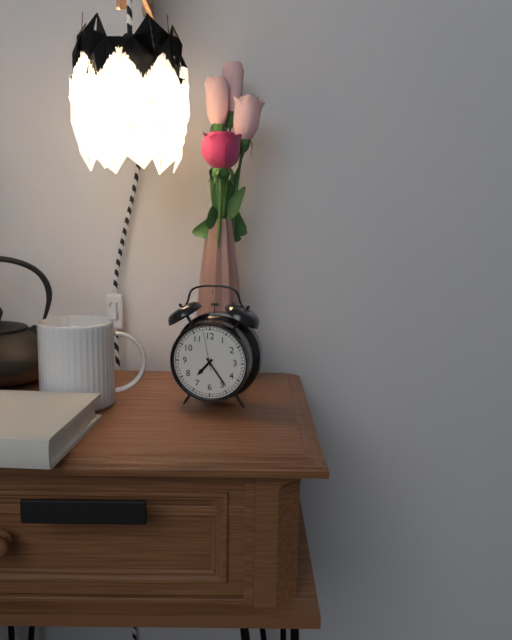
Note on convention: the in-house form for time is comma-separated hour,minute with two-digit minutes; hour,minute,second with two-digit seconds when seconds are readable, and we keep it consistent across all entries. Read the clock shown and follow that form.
7,24
